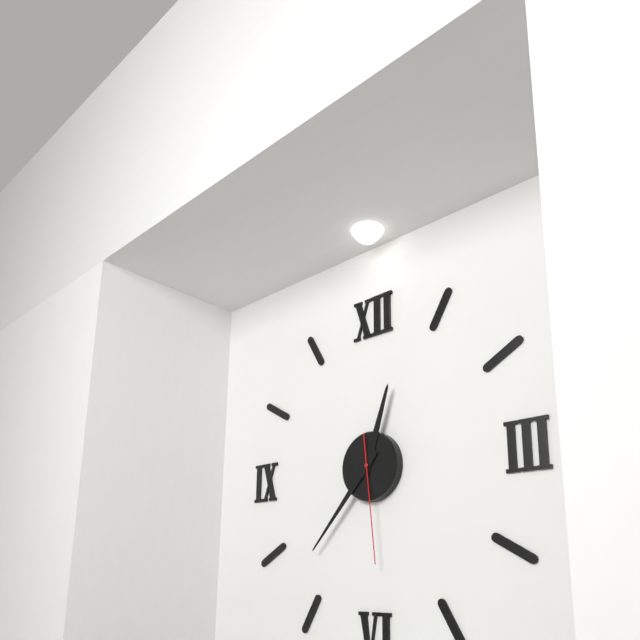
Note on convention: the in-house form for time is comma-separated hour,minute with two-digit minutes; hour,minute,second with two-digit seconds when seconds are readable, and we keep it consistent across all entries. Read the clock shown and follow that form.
12,37,29
